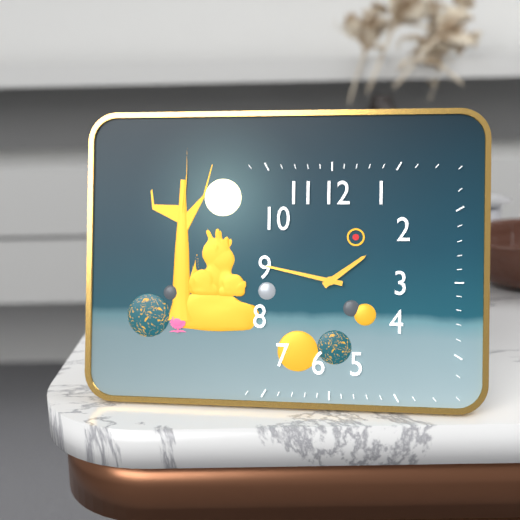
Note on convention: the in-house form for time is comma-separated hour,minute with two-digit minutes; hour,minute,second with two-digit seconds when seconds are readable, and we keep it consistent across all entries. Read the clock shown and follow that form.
1,47
